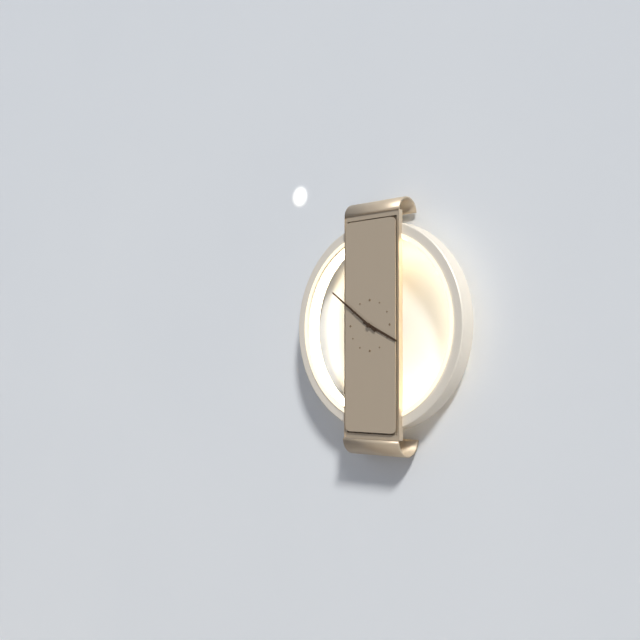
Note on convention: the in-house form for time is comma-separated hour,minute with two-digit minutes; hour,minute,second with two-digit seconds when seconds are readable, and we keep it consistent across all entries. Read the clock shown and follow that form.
3,51
